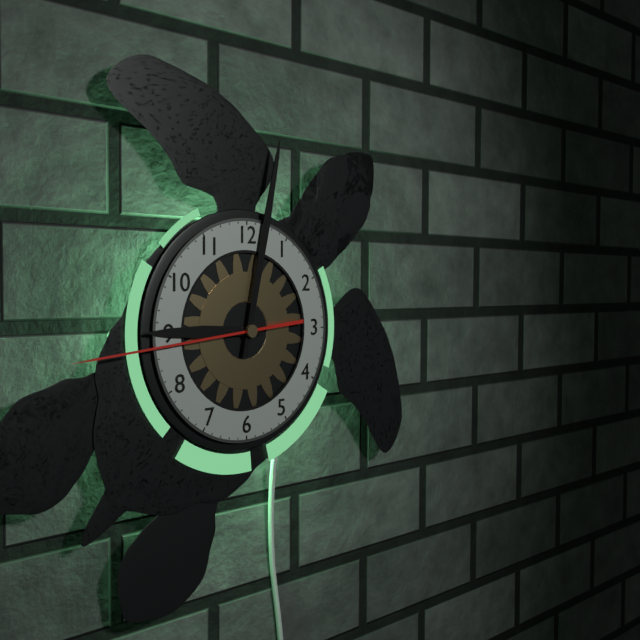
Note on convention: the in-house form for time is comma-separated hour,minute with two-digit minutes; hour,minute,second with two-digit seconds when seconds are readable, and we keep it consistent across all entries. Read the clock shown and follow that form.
9,02,44
